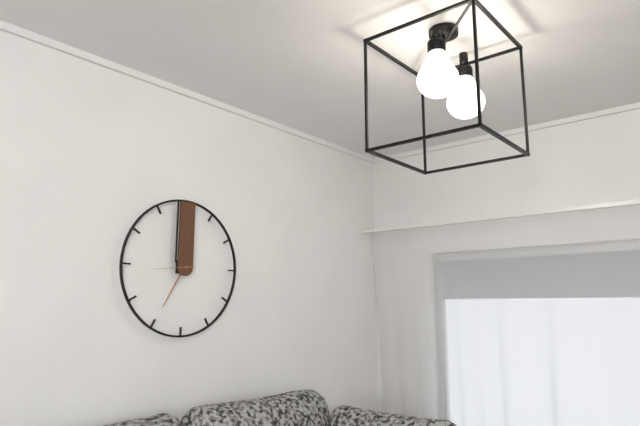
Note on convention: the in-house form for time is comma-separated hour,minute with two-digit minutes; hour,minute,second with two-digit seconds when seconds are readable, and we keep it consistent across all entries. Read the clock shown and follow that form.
7,00
